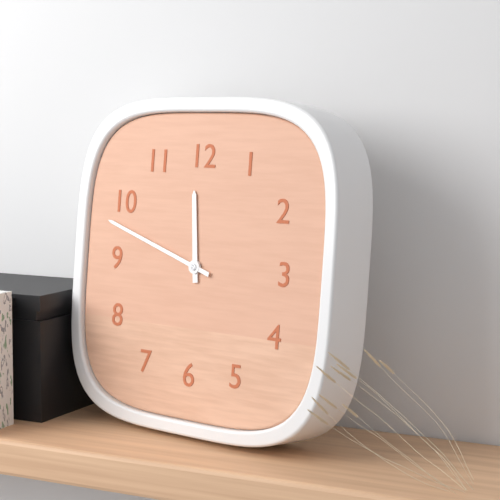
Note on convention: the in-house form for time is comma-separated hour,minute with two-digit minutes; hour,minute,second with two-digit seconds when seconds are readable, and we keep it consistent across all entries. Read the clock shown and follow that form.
11,48
